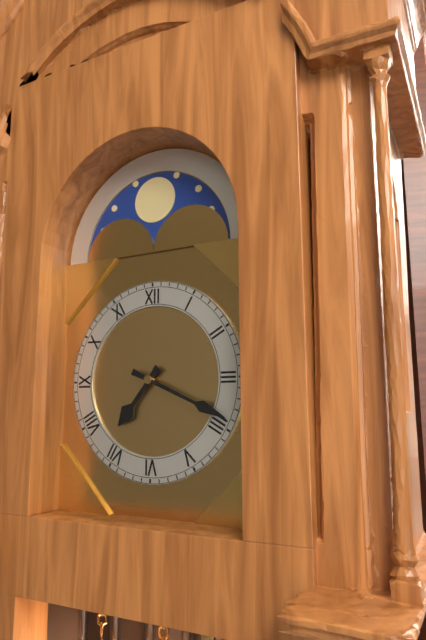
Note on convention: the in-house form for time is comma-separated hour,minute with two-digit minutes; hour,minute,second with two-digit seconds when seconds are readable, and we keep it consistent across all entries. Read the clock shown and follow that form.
7,19
